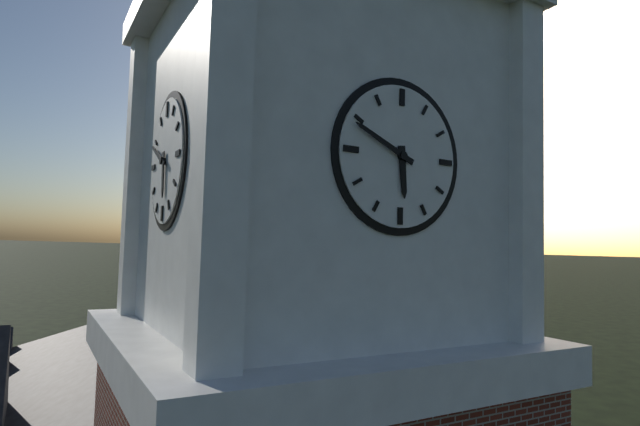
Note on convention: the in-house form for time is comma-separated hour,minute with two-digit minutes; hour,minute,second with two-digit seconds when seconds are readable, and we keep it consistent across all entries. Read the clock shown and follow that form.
5,49
